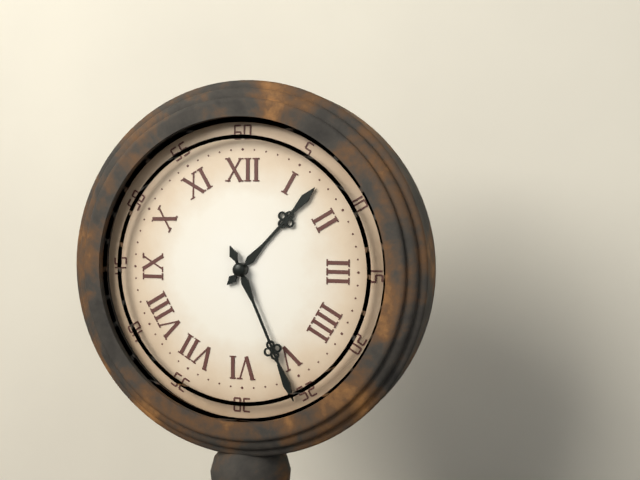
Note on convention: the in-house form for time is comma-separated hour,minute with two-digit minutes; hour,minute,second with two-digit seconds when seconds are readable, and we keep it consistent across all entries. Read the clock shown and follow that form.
1,26
